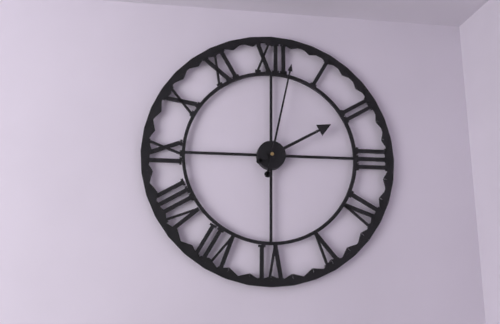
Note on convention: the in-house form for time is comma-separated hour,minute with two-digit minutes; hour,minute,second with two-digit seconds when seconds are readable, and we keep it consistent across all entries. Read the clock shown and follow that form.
2,02
